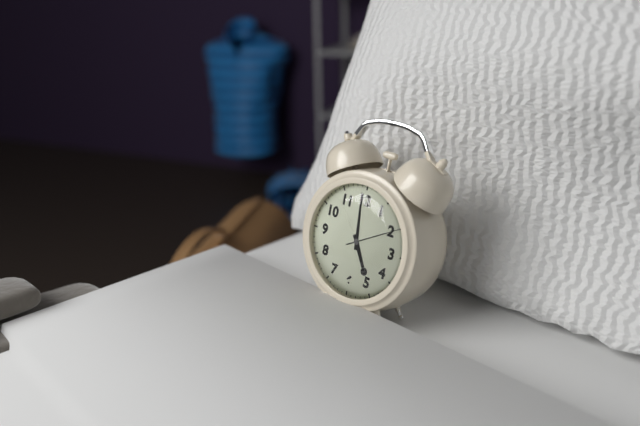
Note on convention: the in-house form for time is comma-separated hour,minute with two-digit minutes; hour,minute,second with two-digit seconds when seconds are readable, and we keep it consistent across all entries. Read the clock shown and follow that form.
4,59,10
